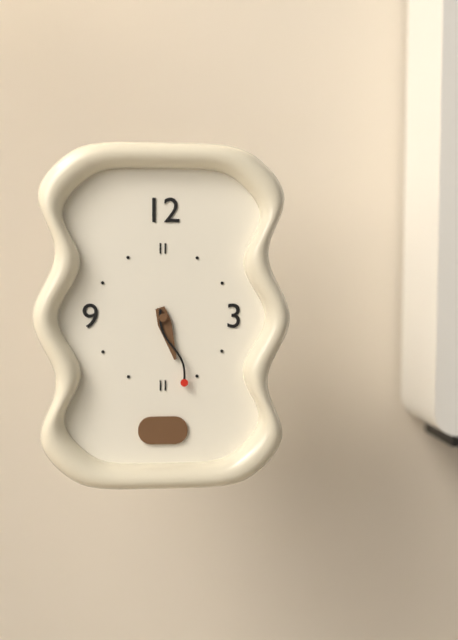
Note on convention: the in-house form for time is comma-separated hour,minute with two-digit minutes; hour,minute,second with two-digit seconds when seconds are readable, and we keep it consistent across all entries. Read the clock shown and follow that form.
5,27
